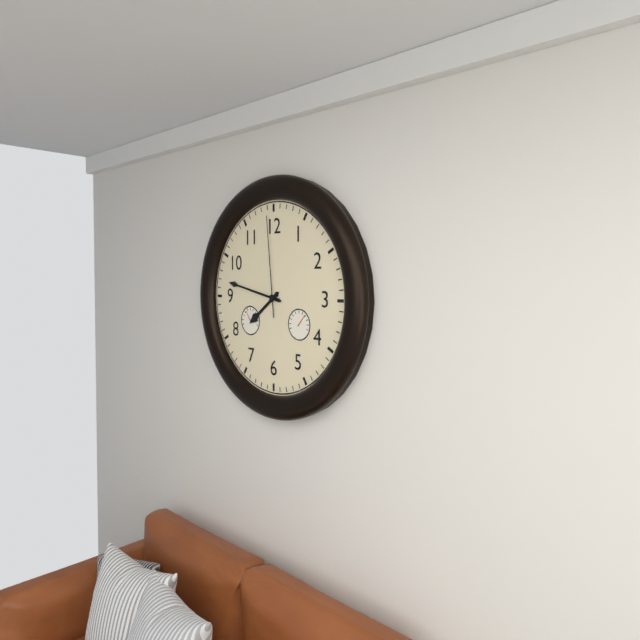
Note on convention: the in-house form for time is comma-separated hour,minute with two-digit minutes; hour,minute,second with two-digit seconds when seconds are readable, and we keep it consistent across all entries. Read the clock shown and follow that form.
7,47,59
